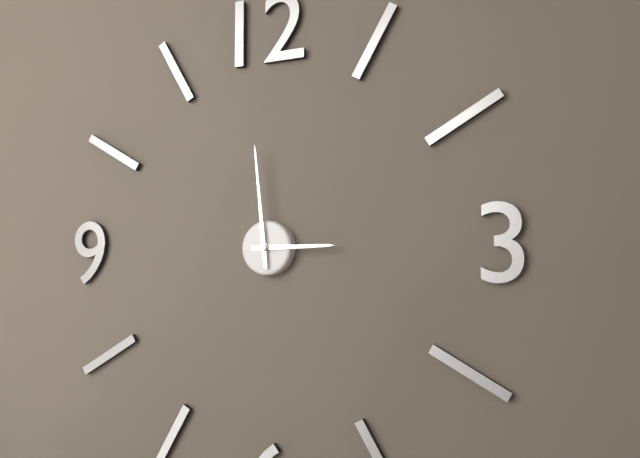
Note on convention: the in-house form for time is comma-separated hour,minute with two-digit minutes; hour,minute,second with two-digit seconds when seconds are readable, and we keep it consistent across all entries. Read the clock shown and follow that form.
2,59
